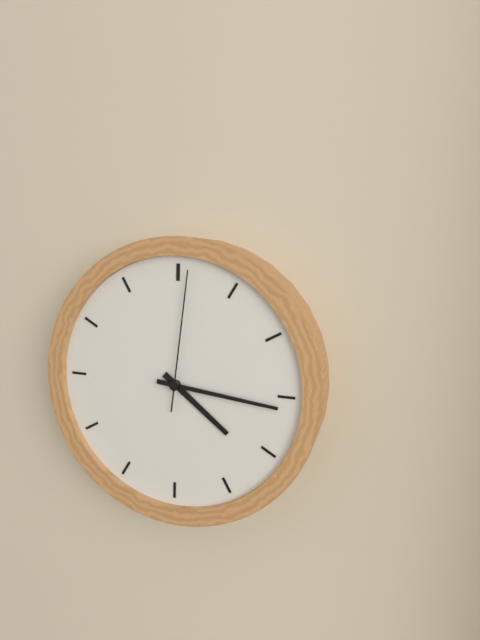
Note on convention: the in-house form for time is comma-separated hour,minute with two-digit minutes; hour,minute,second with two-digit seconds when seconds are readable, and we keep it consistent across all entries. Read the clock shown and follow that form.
4,16,01
